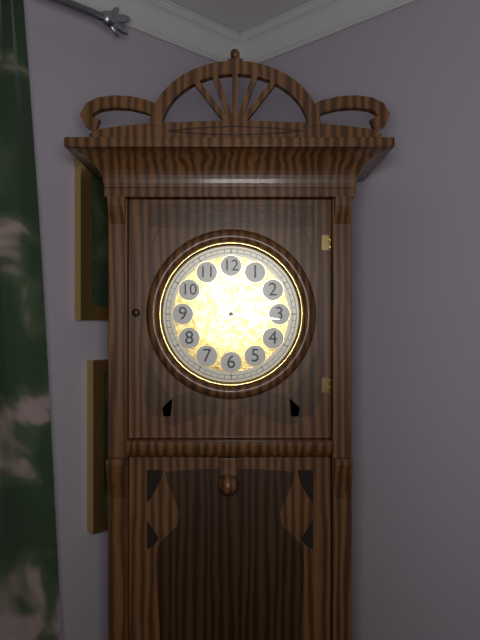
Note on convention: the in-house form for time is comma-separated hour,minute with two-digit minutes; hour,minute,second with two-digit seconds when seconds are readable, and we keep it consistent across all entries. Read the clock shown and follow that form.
3,16
